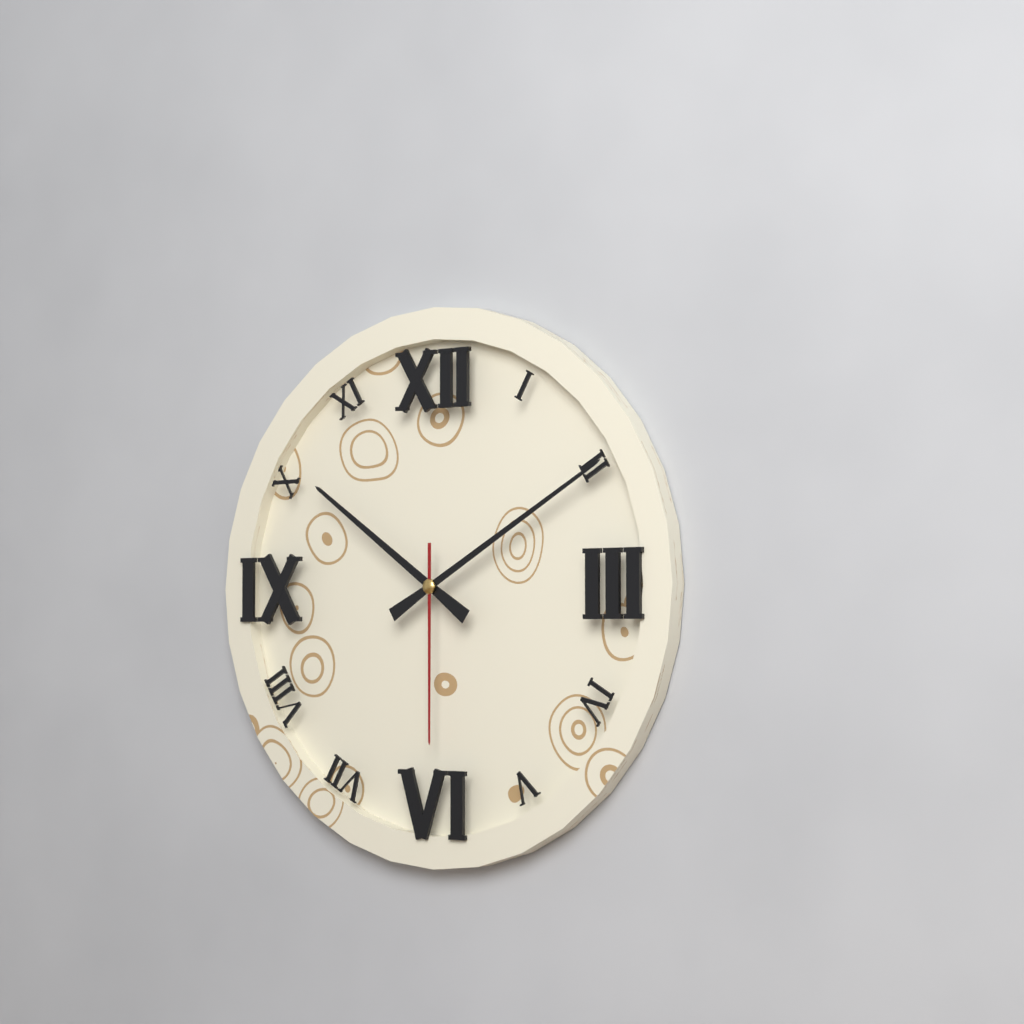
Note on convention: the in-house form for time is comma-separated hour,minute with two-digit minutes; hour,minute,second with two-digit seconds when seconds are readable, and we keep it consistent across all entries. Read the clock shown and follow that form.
10,10,30
